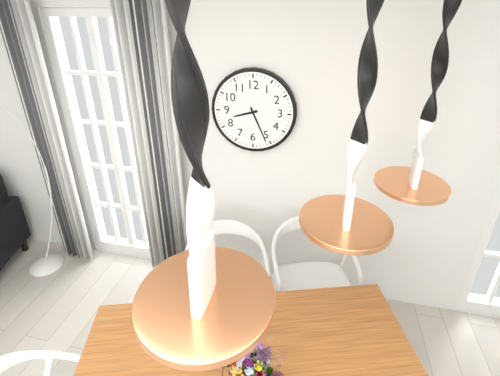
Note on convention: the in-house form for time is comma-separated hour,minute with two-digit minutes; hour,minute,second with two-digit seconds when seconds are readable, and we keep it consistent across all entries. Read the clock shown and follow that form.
8,26
